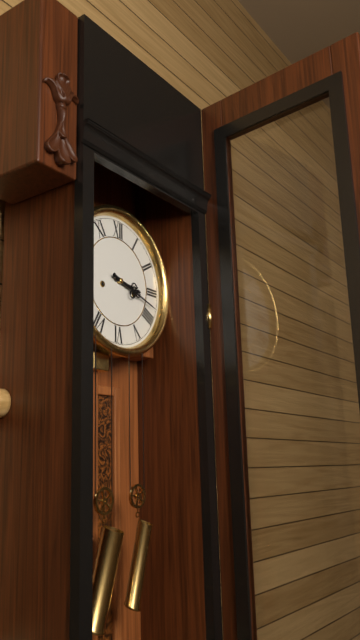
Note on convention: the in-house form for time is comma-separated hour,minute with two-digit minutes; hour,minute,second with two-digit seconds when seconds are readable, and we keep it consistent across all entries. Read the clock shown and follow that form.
3,18
